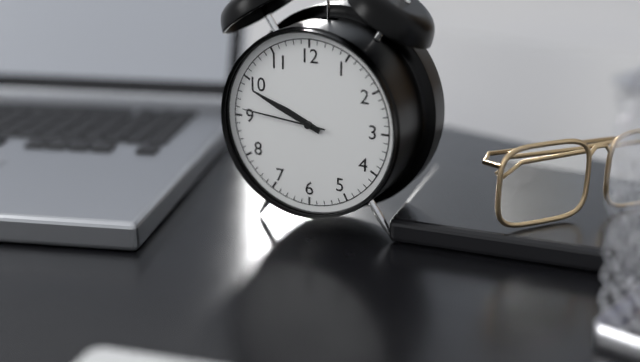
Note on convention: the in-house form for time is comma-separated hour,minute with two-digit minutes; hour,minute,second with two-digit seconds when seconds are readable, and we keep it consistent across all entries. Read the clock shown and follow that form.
9,49,46
